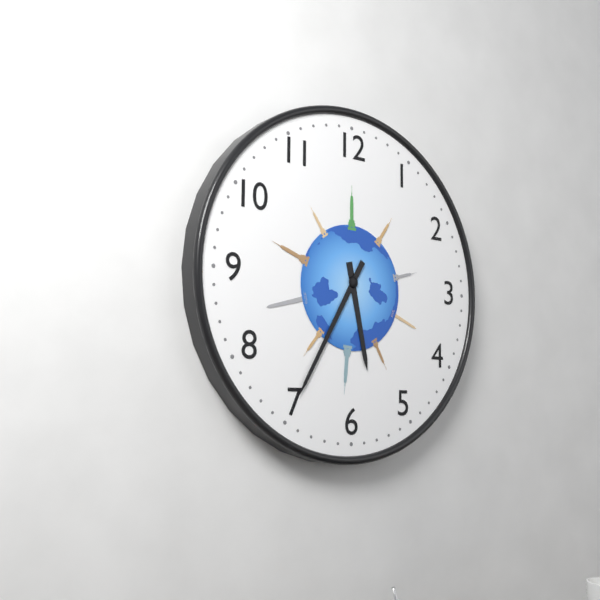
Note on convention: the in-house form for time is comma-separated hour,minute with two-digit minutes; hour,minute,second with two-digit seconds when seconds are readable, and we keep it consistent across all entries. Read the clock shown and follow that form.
5,35
